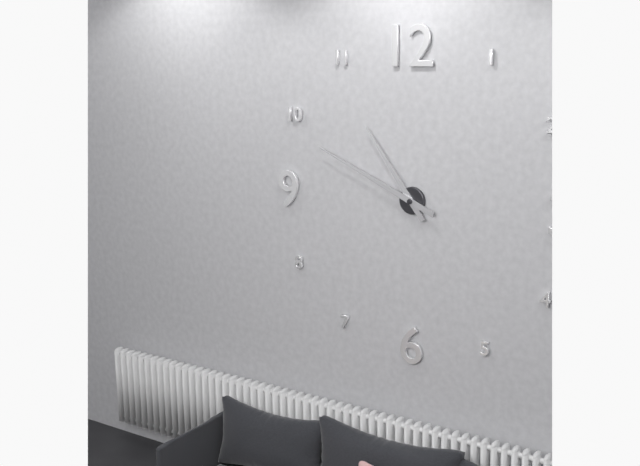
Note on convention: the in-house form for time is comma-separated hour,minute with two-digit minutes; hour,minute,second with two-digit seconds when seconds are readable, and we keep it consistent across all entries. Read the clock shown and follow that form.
10,49
